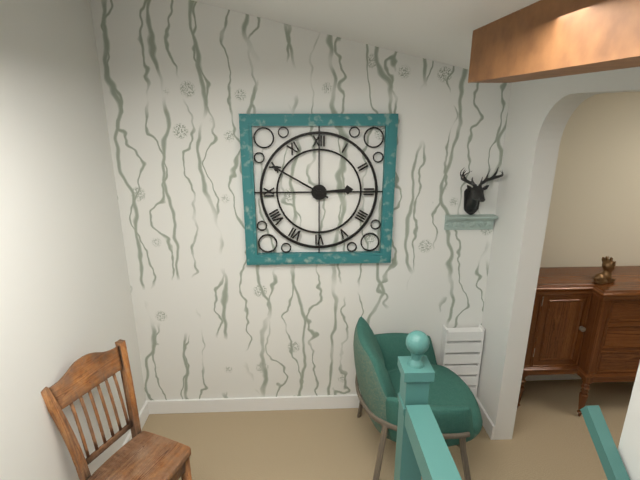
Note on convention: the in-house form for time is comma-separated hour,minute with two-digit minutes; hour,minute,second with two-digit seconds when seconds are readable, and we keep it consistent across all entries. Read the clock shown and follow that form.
2,50
